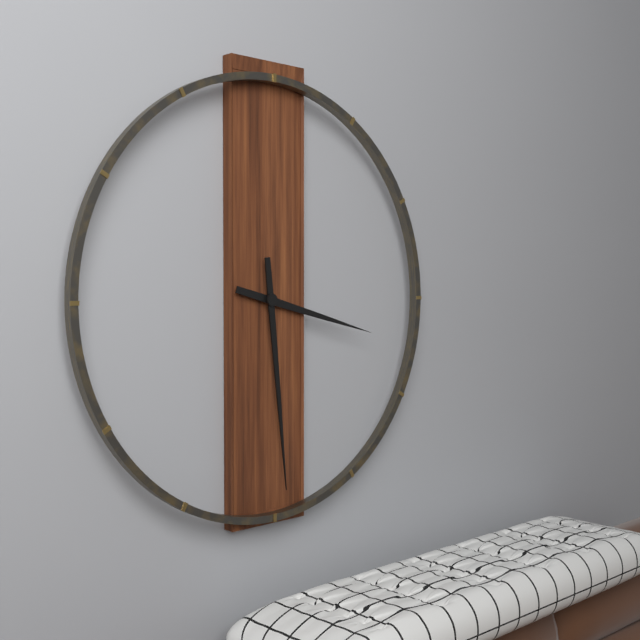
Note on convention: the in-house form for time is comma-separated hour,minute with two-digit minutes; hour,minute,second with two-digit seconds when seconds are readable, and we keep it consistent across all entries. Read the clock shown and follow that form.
3,29
